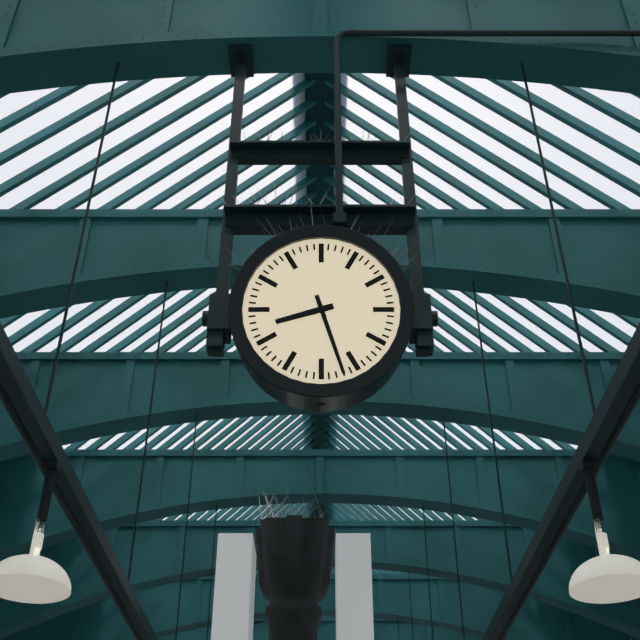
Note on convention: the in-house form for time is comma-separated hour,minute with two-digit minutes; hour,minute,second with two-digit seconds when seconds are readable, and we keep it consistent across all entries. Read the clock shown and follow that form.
8,27
